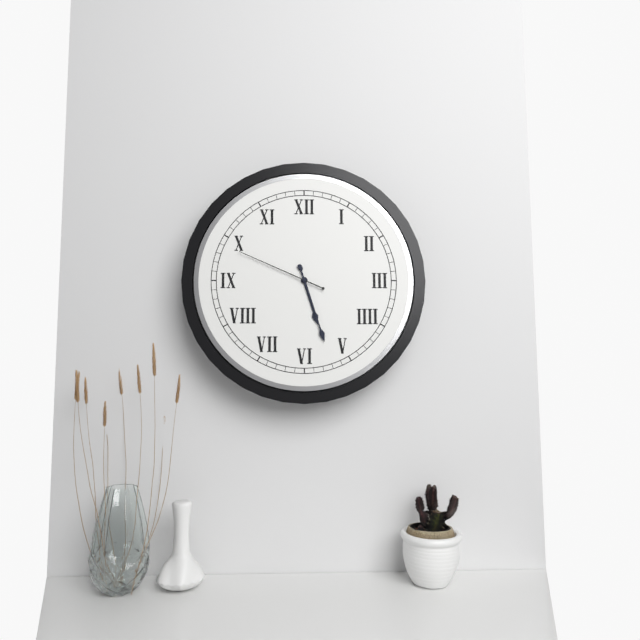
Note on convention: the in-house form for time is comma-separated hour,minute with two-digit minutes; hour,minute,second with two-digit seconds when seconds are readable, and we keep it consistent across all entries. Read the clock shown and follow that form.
5,27,49
